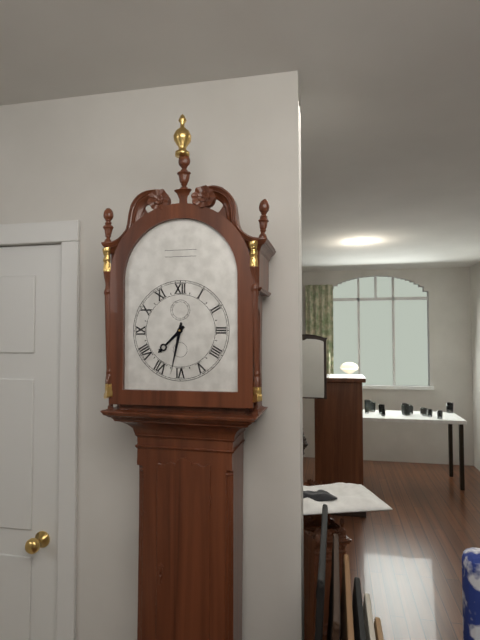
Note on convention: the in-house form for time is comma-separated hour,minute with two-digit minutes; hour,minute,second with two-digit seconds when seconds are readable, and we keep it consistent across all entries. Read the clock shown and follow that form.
7,32
